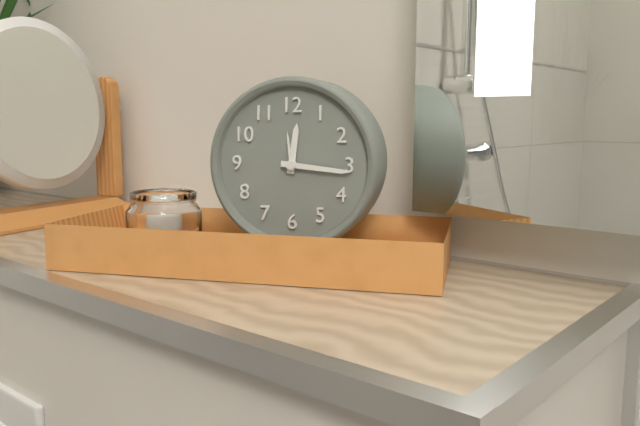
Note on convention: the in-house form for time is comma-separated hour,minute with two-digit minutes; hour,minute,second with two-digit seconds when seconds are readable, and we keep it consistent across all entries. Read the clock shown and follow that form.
12,16
